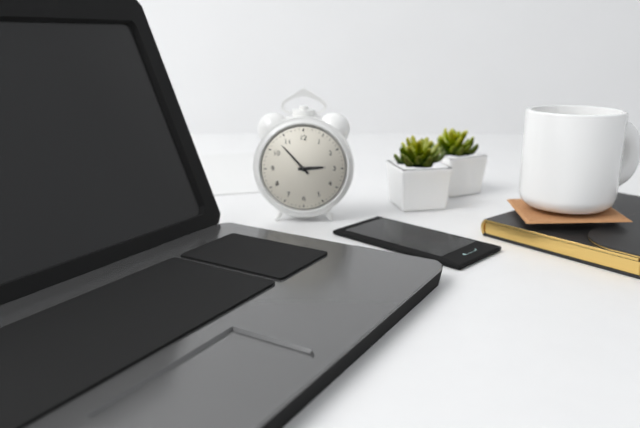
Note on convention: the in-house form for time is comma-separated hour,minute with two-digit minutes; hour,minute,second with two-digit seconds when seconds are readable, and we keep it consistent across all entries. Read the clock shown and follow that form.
2,53
